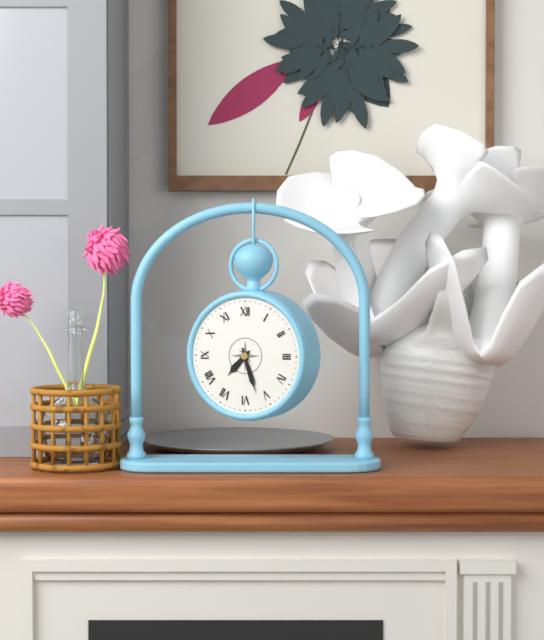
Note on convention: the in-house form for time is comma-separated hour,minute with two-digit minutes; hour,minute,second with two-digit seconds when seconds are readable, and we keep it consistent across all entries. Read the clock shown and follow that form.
7,27
